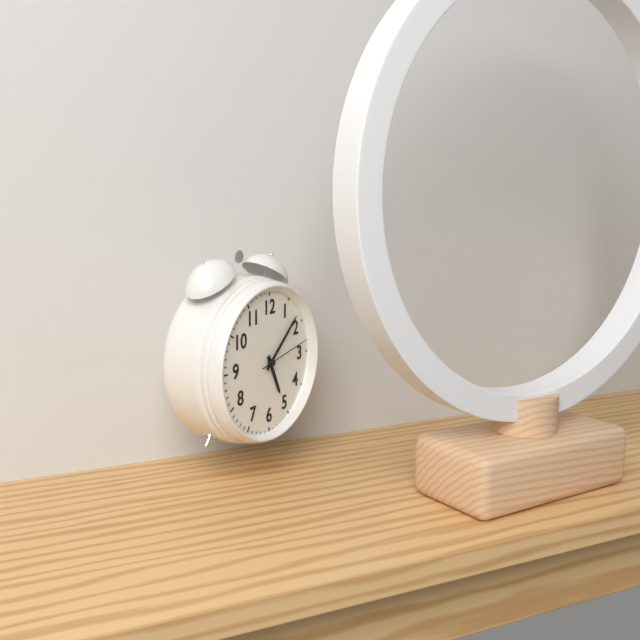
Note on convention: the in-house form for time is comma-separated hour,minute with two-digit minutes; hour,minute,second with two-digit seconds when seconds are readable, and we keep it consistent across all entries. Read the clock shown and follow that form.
5,08,13
